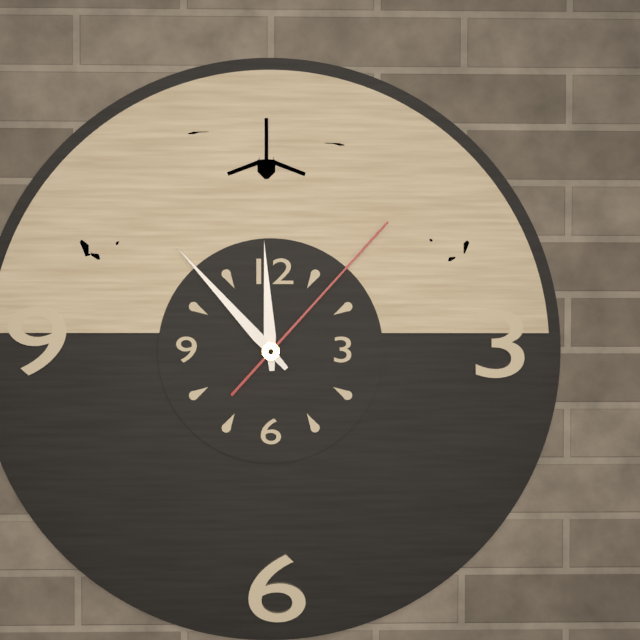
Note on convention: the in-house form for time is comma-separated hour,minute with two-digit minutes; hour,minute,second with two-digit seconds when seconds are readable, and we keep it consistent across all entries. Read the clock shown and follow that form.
11,53,07
